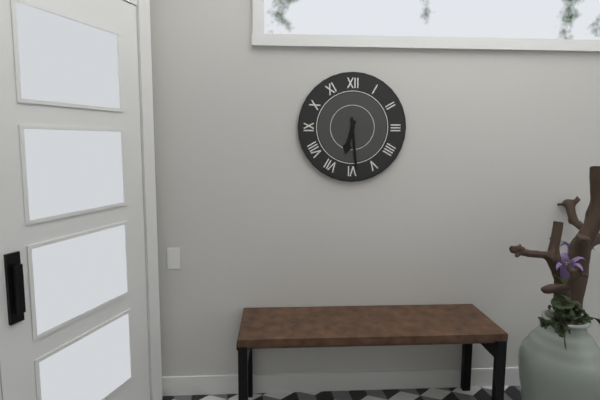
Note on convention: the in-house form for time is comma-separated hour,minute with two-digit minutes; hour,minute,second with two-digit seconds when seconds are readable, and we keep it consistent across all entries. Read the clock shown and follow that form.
6,29
